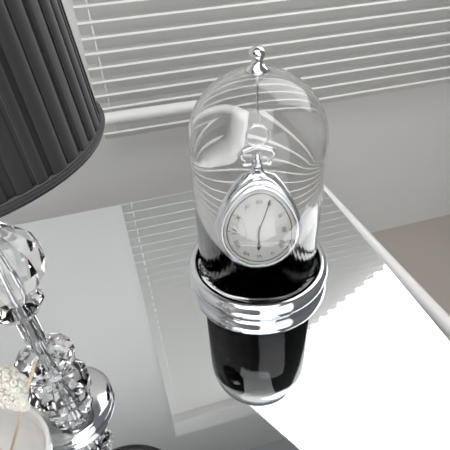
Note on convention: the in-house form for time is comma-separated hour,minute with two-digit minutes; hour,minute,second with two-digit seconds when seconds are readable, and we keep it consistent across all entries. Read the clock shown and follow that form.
6,04
